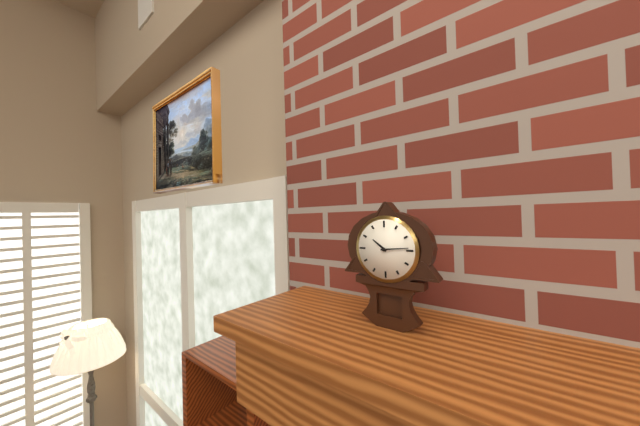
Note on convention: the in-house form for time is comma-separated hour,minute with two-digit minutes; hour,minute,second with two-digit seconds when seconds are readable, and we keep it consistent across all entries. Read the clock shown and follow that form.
10,14
